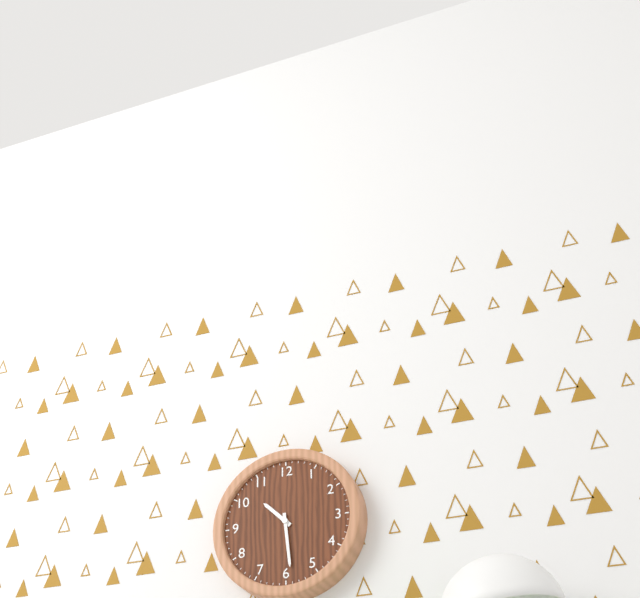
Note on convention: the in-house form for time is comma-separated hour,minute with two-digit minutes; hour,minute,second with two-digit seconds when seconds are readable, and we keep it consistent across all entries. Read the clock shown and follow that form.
10,29
